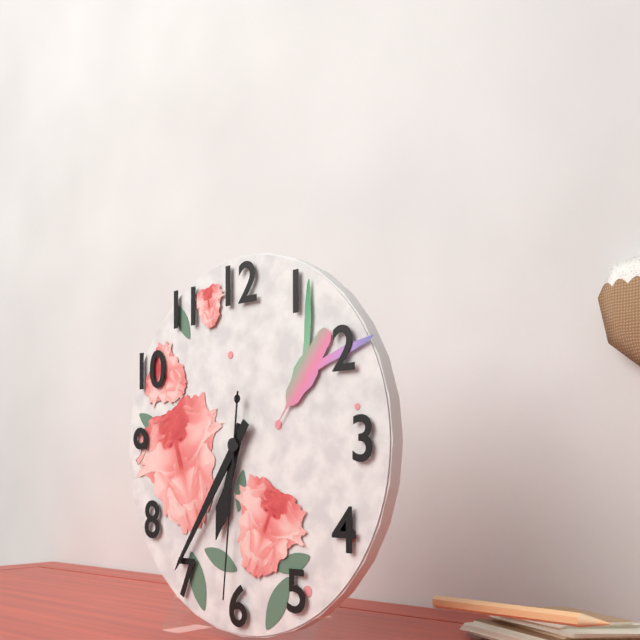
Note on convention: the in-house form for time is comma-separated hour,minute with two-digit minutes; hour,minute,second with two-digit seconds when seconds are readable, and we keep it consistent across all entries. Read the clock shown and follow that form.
6,36,31
